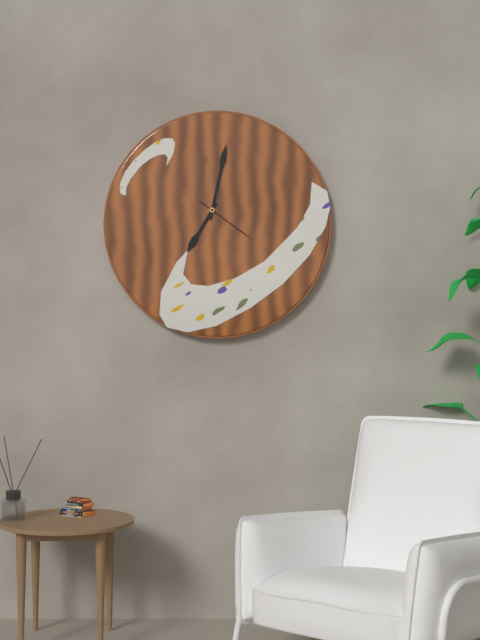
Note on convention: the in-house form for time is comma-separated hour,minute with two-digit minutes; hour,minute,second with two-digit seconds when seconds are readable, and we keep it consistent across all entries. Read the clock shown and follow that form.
7,02,21
